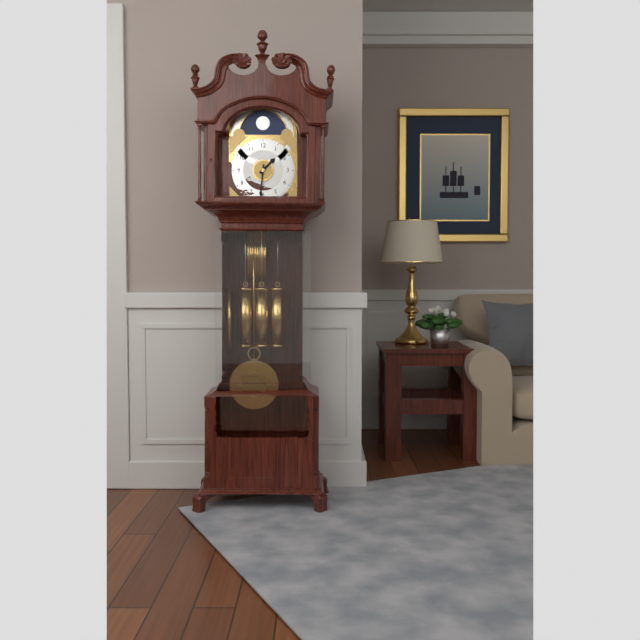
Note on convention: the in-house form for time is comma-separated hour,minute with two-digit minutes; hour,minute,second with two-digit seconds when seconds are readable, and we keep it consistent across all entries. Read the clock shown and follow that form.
1,31
